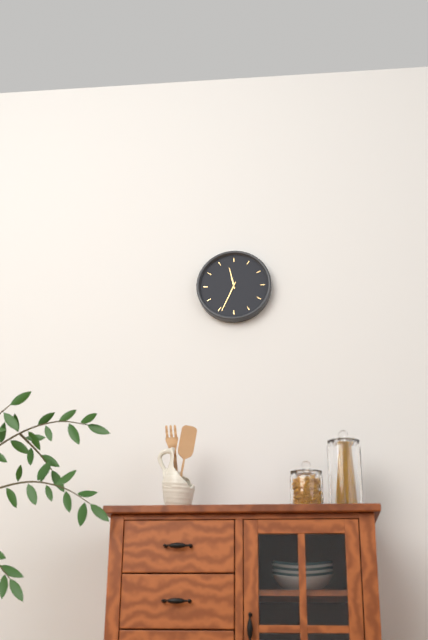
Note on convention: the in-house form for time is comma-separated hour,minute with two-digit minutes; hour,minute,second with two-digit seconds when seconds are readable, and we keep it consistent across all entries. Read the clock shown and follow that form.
11,34
